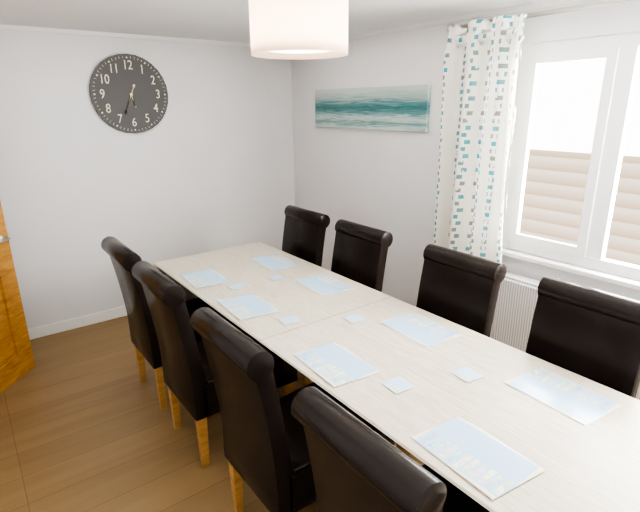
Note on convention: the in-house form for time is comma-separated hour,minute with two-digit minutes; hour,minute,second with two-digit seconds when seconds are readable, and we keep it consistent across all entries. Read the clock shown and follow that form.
5,34
